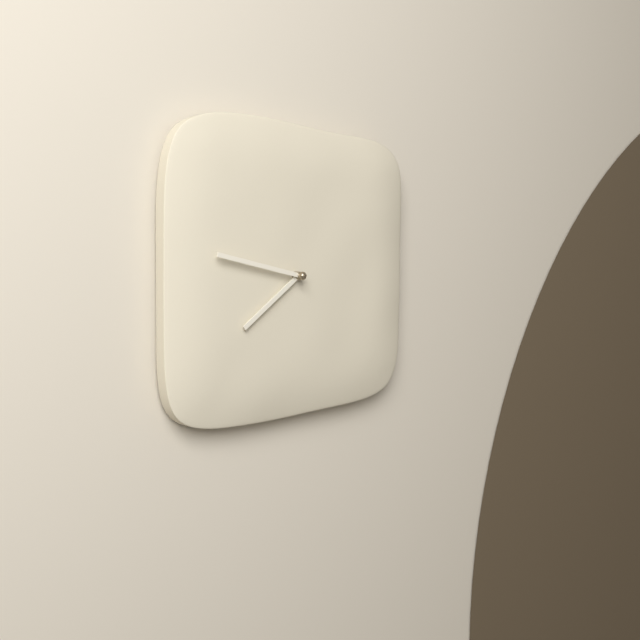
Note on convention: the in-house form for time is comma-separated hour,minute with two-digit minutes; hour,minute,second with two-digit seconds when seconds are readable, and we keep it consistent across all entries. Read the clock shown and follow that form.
7,47
